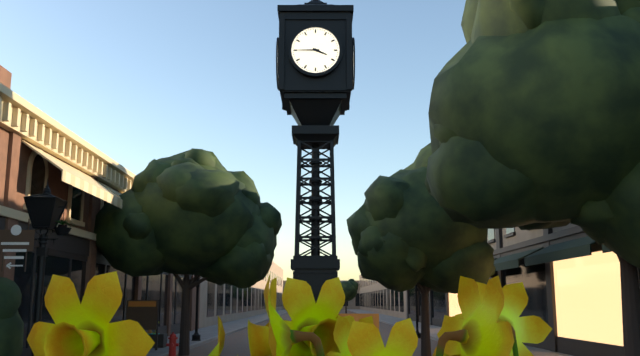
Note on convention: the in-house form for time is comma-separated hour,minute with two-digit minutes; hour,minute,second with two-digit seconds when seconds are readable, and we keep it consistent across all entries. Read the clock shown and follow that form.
3,45
